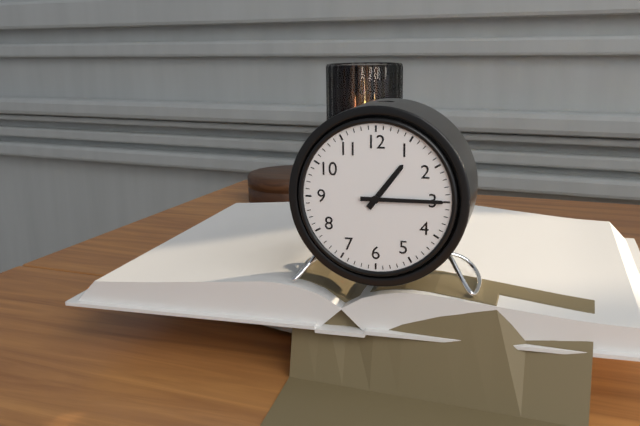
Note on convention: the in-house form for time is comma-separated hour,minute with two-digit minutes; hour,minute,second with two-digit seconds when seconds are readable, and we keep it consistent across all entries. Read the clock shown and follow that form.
1,15
